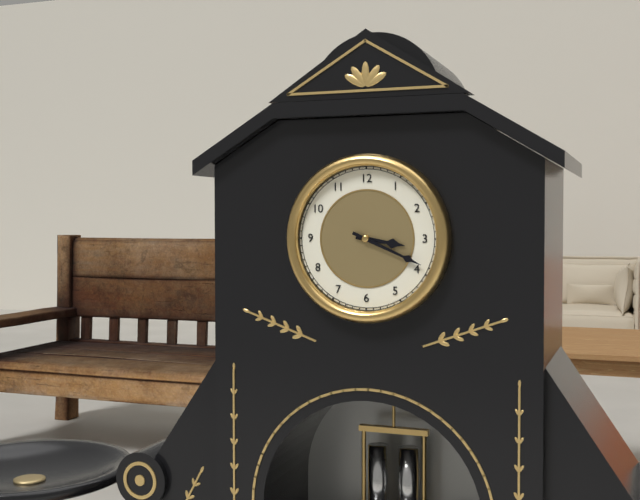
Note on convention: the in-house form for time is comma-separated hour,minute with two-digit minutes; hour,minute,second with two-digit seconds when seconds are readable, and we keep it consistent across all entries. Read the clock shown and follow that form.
3,19
